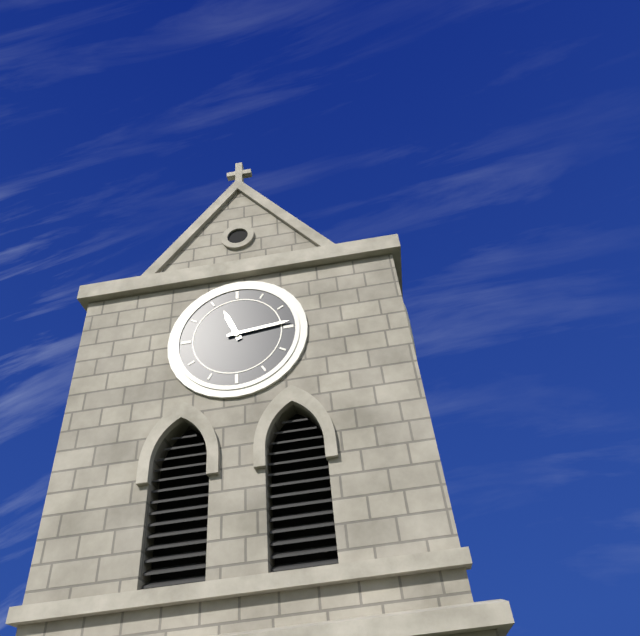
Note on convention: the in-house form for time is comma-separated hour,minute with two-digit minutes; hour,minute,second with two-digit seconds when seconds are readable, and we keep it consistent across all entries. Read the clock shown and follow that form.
11,14
